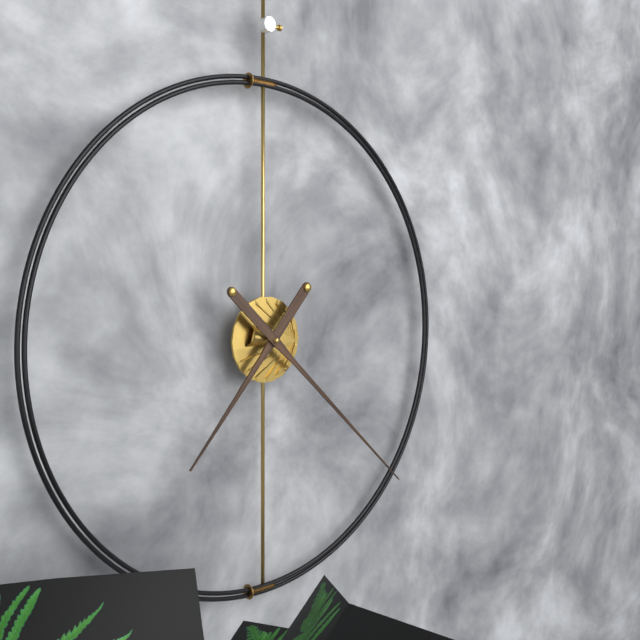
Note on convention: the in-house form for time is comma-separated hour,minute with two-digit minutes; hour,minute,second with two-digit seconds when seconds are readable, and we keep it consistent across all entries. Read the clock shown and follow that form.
7,22
